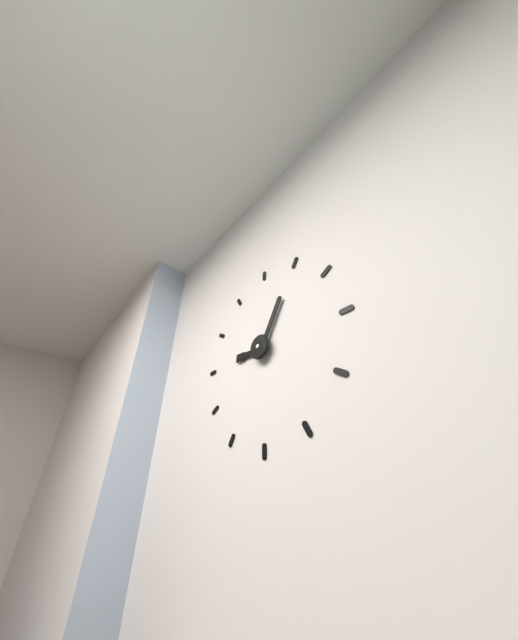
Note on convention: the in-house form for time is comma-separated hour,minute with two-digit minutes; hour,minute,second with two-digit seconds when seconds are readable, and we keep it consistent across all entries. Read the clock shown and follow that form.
9,05
